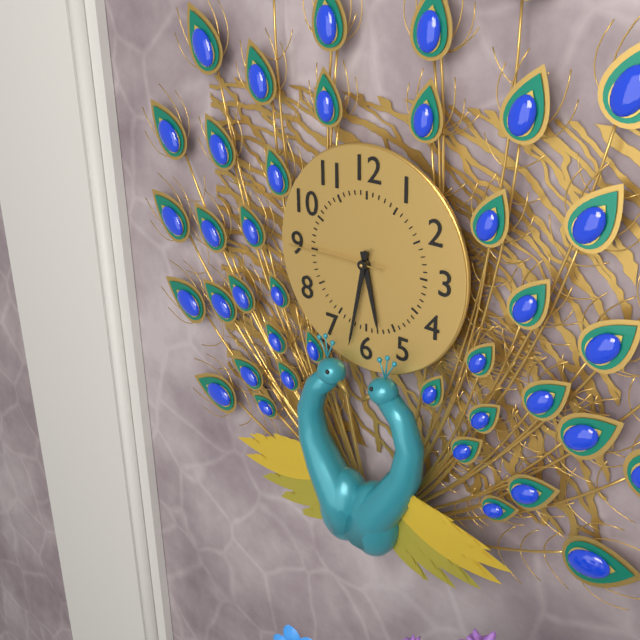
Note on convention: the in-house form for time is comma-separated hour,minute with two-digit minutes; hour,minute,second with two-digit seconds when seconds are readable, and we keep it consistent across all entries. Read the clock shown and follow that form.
5,32,45
